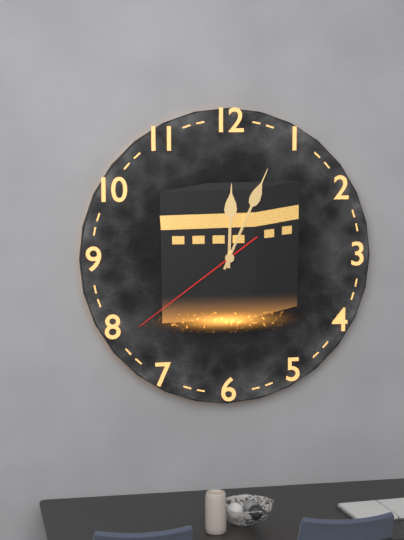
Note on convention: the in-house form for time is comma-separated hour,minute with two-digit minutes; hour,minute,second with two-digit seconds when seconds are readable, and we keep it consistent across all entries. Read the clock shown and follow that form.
12,04,39
